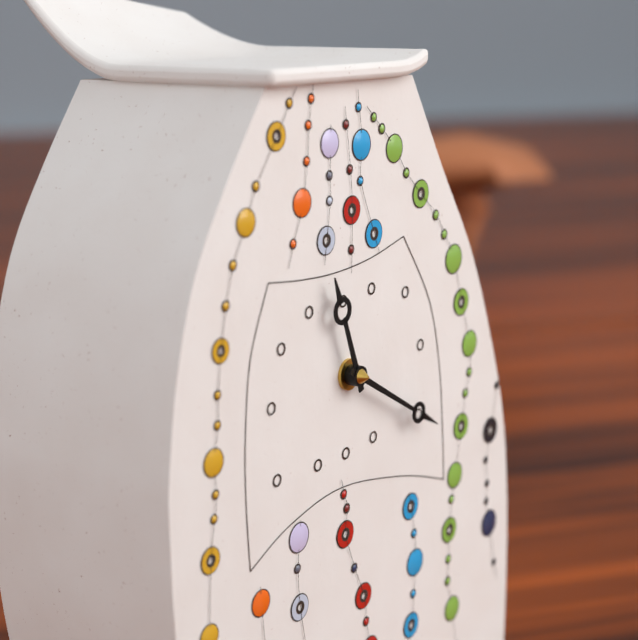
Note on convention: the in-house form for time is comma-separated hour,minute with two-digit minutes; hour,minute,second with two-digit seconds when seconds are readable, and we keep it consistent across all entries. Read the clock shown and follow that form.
11,20
